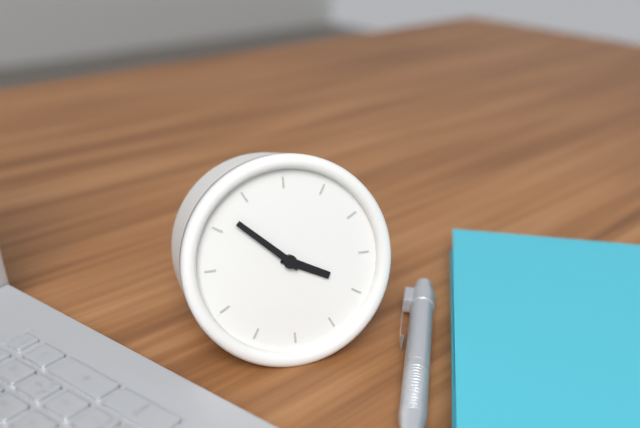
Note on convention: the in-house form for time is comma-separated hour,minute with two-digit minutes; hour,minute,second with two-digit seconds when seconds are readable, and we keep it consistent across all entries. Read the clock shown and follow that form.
3,52
